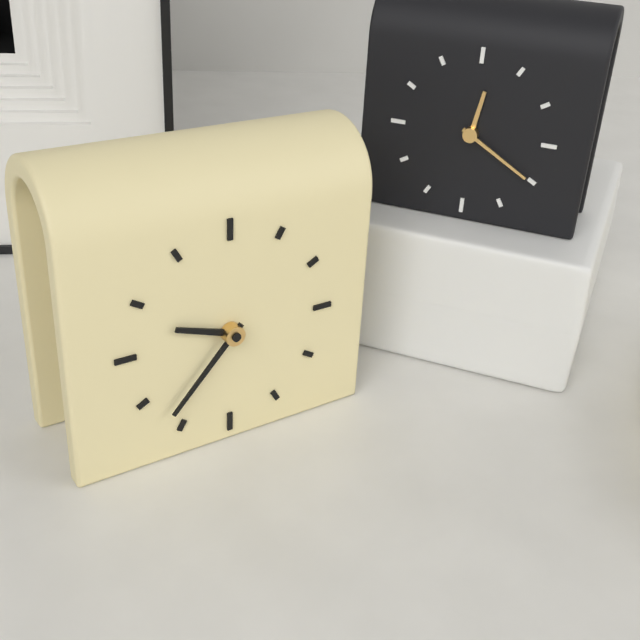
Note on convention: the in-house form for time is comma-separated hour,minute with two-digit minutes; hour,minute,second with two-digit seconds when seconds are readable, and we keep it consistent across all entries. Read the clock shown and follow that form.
9,37
